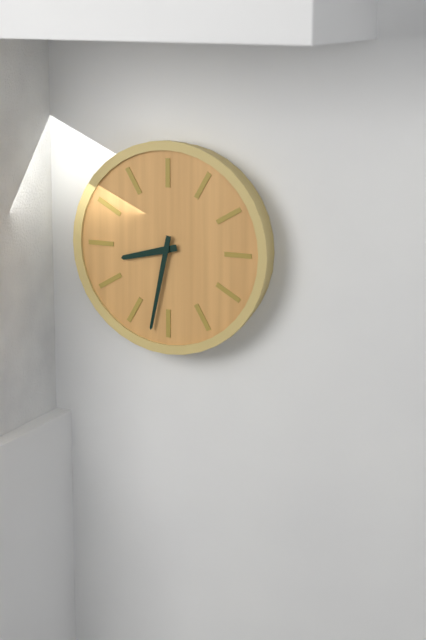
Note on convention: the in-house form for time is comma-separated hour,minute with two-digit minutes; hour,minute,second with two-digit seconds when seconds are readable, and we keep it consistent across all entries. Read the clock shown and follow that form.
8,32
